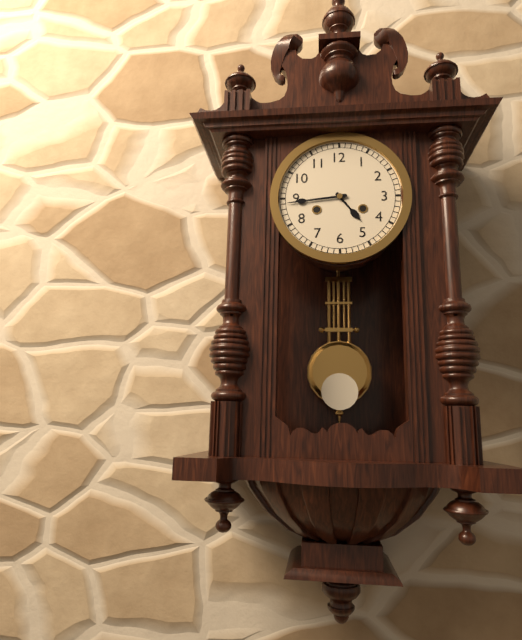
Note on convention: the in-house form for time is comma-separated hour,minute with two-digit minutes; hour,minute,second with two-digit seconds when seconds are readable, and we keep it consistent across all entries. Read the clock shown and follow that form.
4,44
